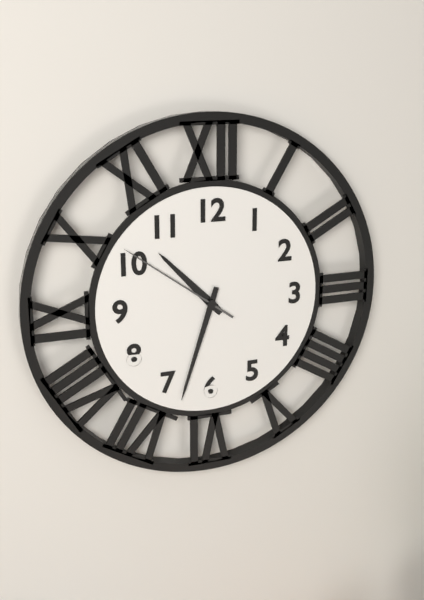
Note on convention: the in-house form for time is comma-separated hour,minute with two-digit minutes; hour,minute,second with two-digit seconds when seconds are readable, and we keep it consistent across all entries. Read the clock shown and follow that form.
10,33,51
